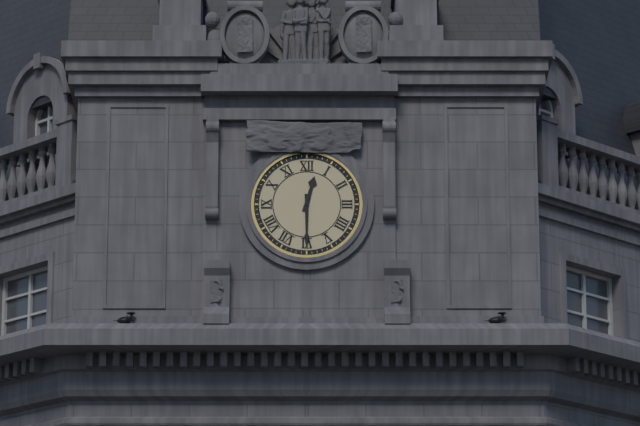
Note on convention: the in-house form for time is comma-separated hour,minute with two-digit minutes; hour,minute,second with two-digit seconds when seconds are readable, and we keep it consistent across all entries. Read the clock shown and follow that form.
12,30
